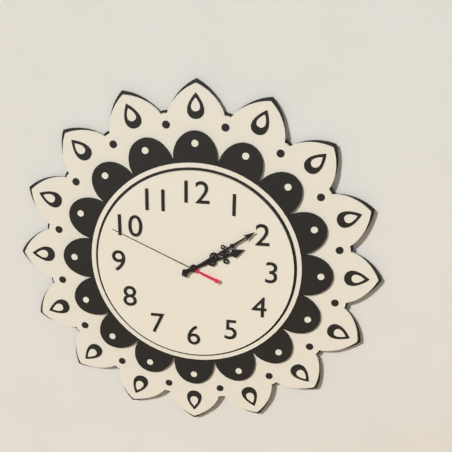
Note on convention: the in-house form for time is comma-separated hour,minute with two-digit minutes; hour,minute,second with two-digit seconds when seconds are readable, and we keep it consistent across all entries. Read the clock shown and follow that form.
2,09,49
